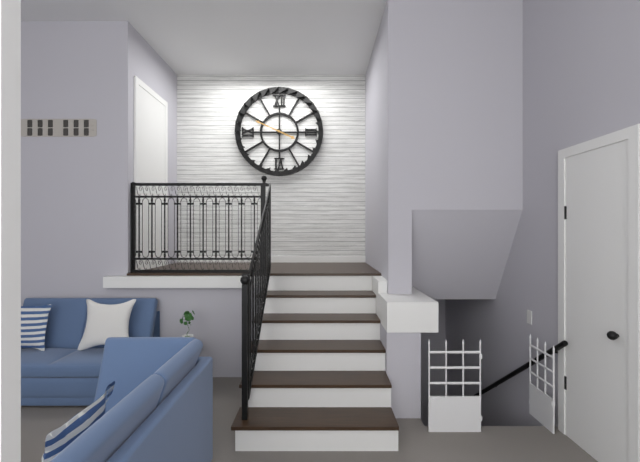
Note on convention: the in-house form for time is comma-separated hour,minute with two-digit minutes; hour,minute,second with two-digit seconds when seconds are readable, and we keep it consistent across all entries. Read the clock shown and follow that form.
3,49
